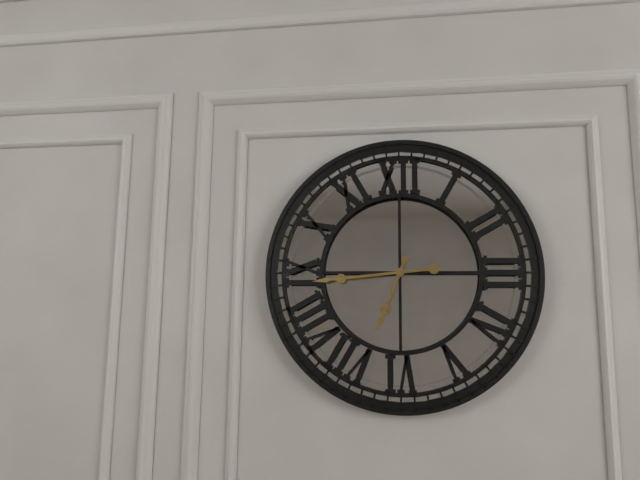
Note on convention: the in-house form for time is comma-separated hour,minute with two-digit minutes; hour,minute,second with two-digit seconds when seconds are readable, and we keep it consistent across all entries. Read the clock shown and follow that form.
6,44
